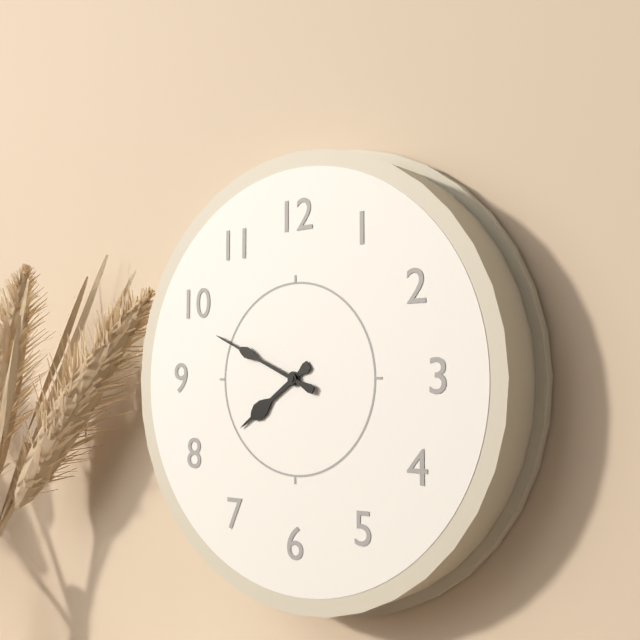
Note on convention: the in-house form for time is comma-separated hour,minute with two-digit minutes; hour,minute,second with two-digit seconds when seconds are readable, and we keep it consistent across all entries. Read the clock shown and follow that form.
7,49
